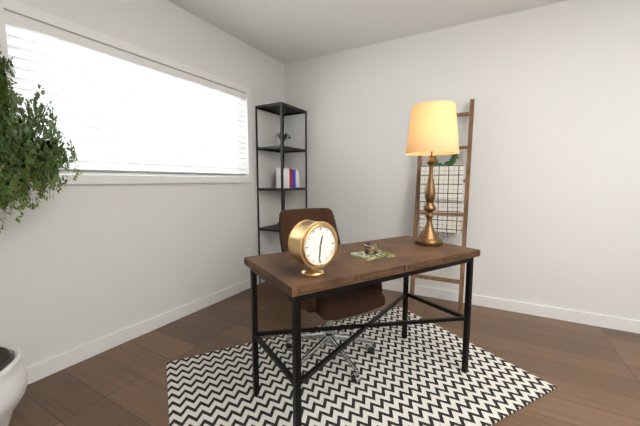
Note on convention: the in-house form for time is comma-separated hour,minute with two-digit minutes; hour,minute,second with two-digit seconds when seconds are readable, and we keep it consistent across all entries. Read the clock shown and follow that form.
12,31
